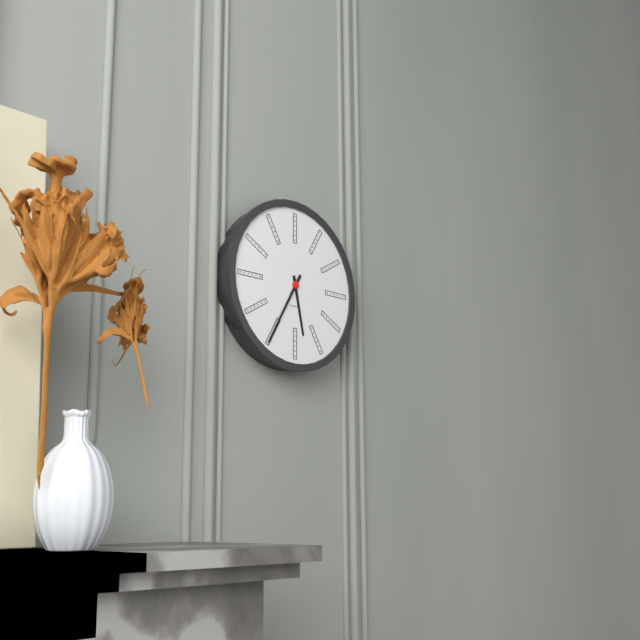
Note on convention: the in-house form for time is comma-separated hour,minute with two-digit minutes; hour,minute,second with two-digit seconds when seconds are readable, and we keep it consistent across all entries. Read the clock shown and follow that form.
5,35
